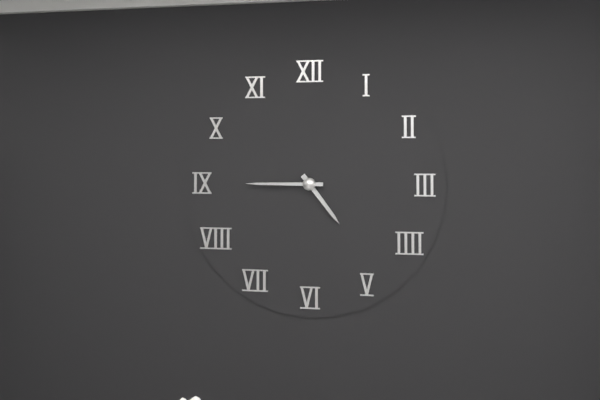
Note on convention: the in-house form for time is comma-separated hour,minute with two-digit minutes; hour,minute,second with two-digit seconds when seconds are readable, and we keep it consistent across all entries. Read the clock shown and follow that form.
4,45
